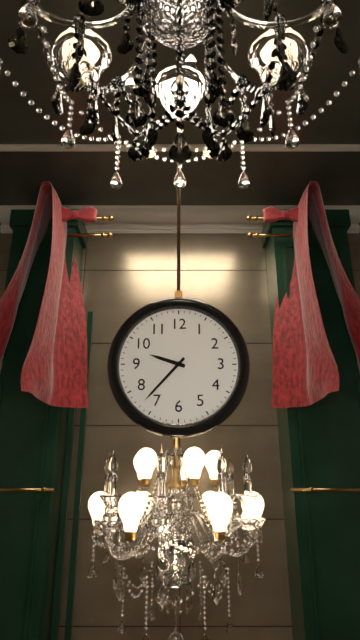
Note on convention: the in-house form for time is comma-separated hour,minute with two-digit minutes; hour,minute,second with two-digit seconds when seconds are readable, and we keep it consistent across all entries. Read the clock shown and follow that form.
9,37
